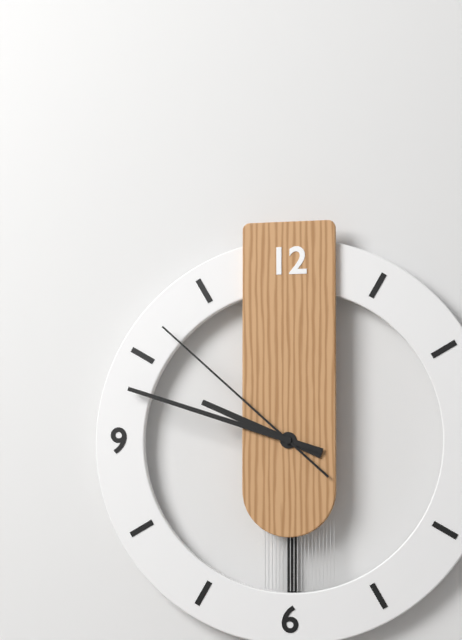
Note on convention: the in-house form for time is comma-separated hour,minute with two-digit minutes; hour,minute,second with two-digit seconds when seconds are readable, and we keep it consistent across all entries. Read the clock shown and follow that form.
9,48,52
